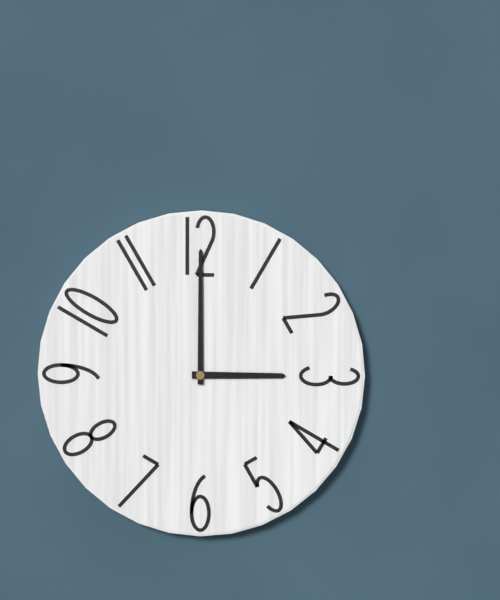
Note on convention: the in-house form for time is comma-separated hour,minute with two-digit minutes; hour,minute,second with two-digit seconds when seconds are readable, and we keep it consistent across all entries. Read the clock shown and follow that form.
3,00
